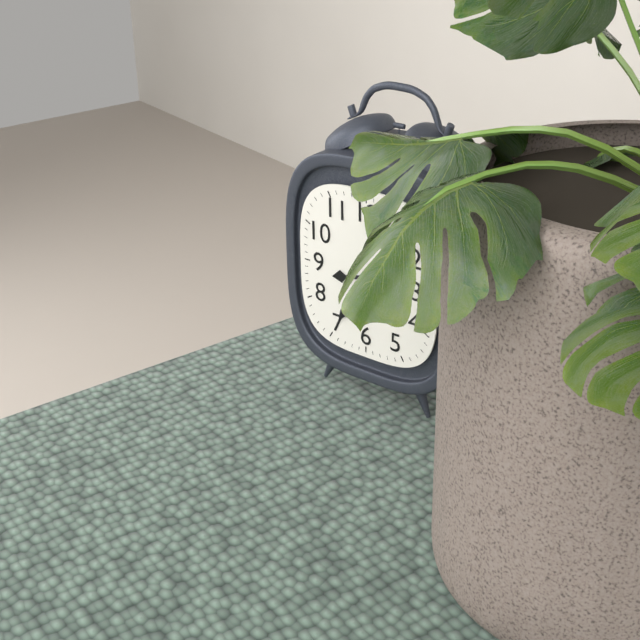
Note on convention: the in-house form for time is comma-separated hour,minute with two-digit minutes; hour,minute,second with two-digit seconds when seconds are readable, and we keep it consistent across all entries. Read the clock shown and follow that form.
8,35
